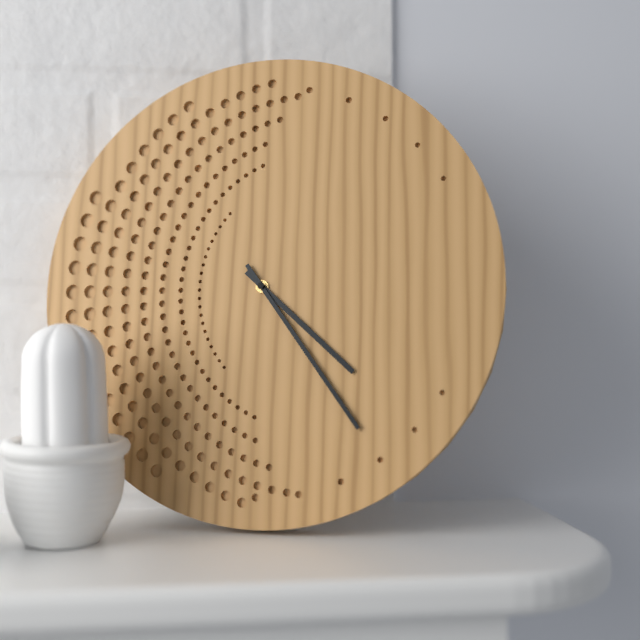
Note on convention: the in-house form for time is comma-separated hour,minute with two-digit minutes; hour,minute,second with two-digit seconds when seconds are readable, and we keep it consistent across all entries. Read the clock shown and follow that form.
4,24
